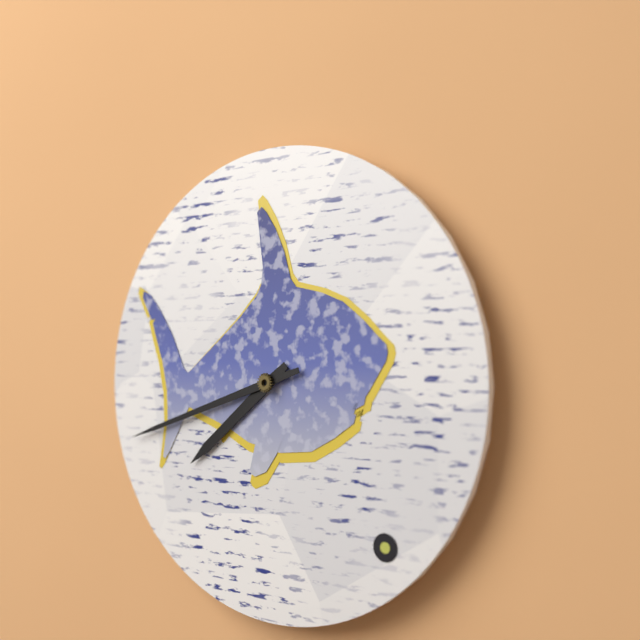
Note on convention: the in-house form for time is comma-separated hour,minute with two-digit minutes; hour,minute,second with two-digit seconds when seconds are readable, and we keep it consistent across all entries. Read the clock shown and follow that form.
7,42
